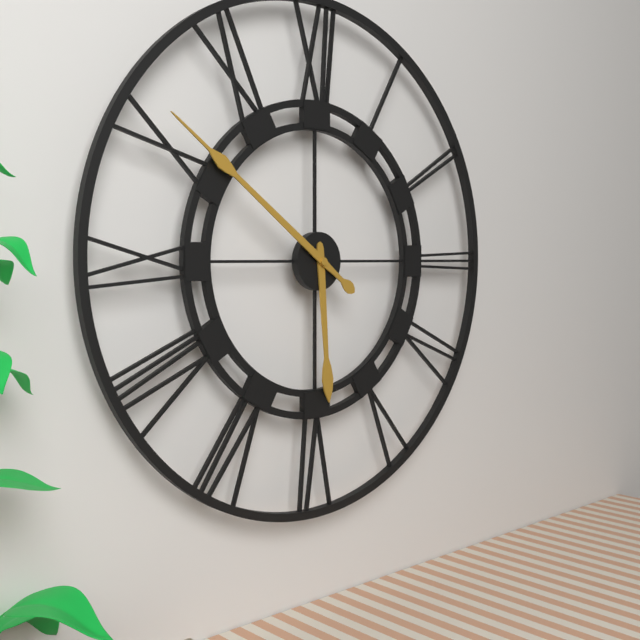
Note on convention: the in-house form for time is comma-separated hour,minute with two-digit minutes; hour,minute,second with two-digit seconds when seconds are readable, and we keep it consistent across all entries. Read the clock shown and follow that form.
5,51
